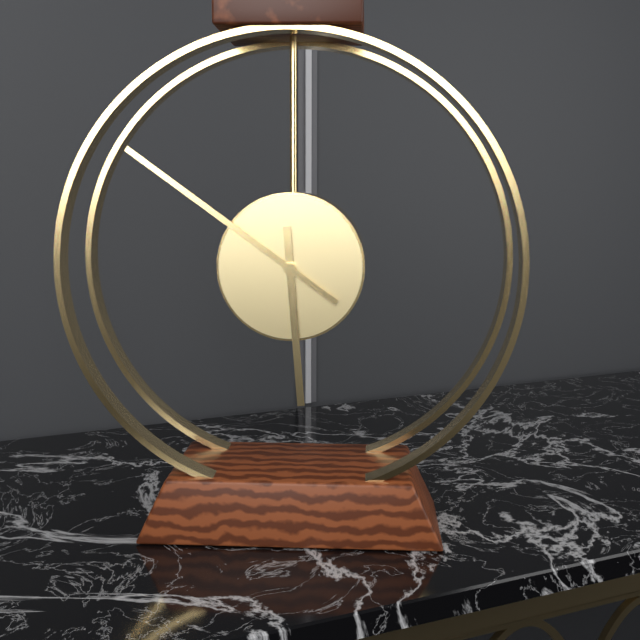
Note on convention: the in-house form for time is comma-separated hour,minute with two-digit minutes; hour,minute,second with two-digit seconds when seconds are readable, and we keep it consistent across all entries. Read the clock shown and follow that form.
5,51
